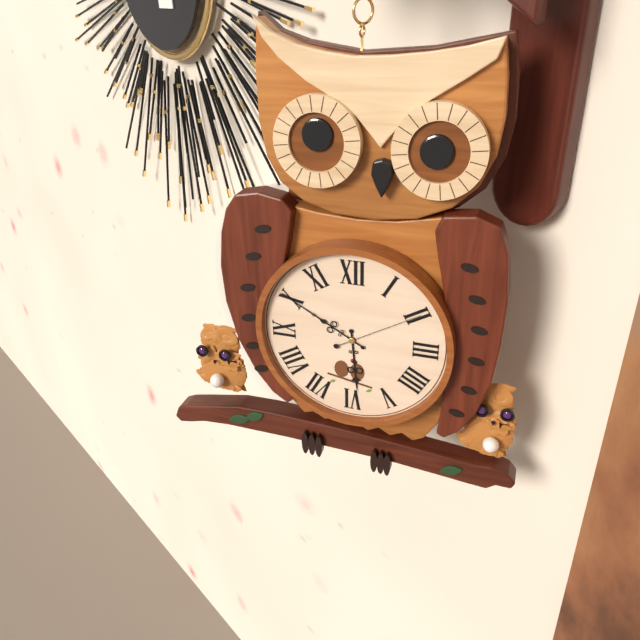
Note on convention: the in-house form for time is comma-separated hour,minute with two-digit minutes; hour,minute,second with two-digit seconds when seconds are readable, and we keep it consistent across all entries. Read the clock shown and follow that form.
5,50,10
